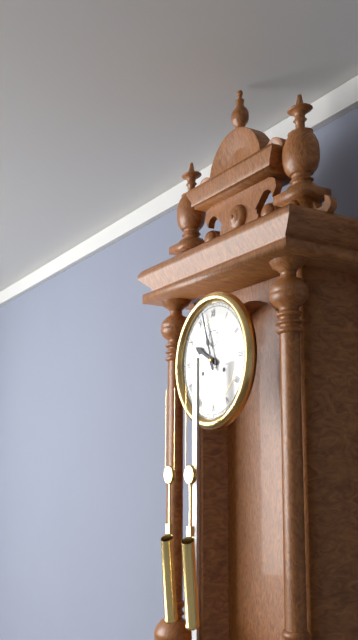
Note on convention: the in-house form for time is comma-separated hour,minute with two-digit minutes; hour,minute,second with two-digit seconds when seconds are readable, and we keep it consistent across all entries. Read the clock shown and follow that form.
9,57
